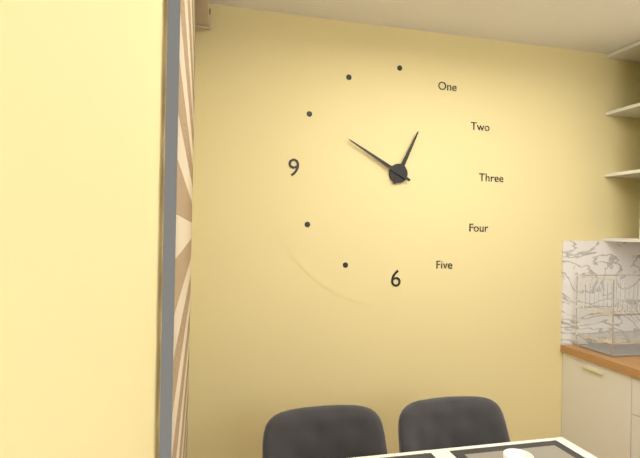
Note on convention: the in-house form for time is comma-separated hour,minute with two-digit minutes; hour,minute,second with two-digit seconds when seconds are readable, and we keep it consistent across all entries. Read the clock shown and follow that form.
12,50
